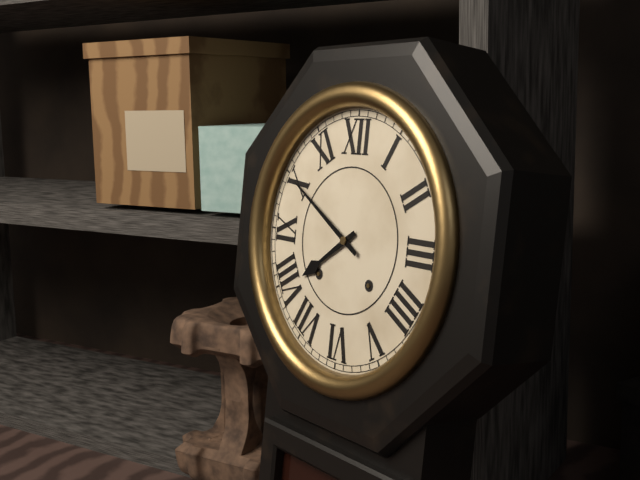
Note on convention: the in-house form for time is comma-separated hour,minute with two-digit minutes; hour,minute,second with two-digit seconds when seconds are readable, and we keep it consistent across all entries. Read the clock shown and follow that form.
7,50
